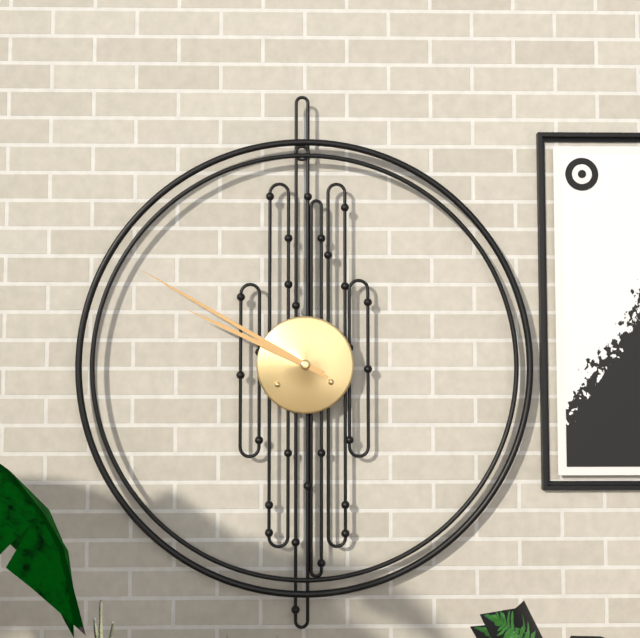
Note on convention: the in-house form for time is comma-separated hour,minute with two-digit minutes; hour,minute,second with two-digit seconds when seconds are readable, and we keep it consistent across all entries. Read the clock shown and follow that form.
9,50
